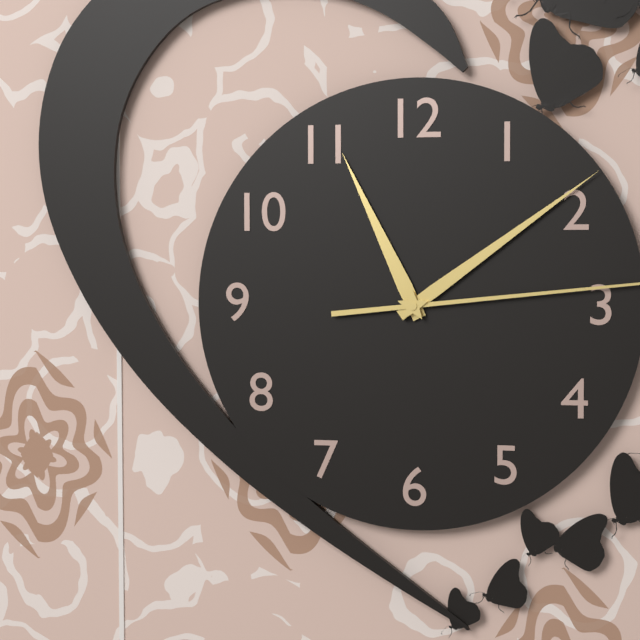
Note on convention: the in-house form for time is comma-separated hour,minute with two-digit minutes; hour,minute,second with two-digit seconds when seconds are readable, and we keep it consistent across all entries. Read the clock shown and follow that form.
11,09
